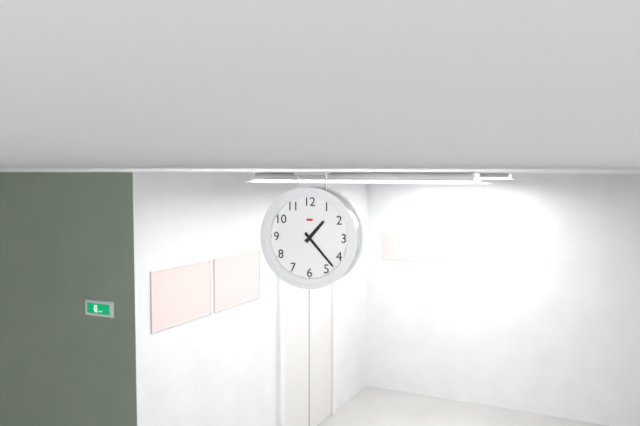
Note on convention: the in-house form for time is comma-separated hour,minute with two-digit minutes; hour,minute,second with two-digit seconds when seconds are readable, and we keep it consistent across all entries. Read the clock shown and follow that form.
1,23
